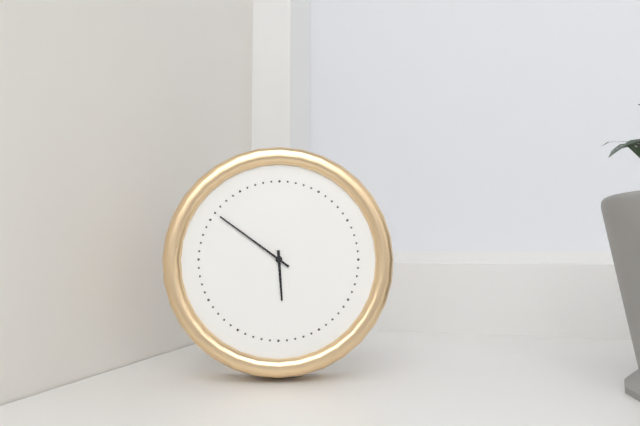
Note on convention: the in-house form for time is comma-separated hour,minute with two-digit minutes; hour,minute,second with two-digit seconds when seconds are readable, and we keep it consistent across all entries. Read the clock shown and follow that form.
5,51
